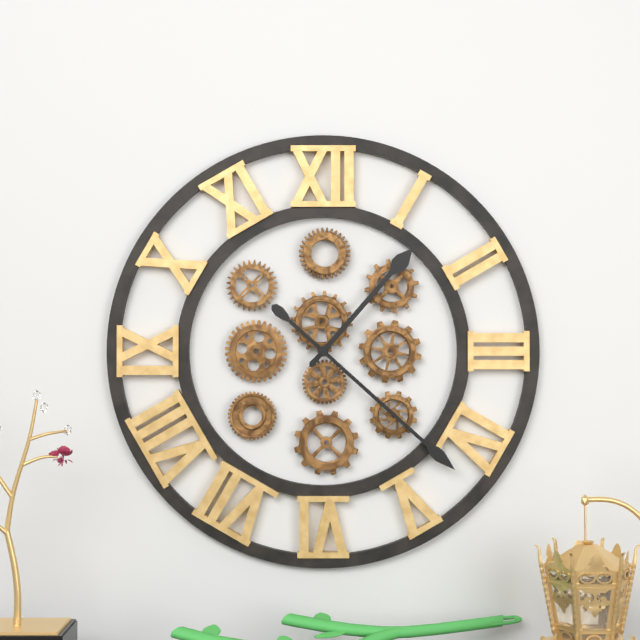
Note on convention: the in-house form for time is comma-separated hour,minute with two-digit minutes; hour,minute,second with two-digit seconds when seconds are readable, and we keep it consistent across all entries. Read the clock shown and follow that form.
1,22
